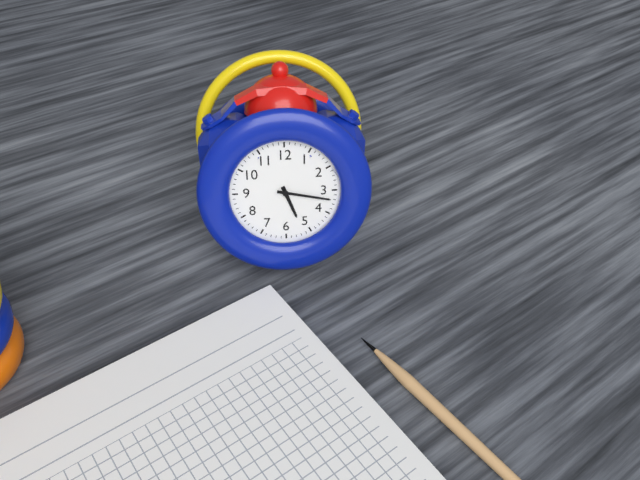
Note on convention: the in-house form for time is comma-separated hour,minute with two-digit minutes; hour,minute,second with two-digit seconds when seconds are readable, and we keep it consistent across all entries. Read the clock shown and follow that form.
5,17
